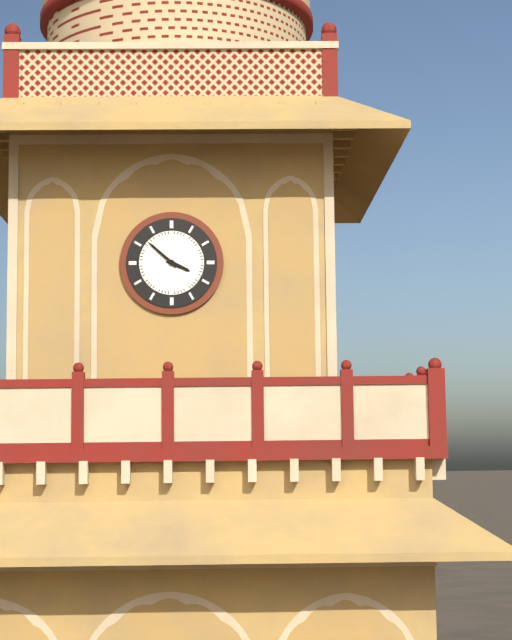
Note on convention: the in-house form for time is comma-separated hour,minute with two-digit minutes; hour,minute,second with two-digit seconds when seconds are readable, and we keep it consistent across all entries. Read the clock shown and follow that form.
3,52
